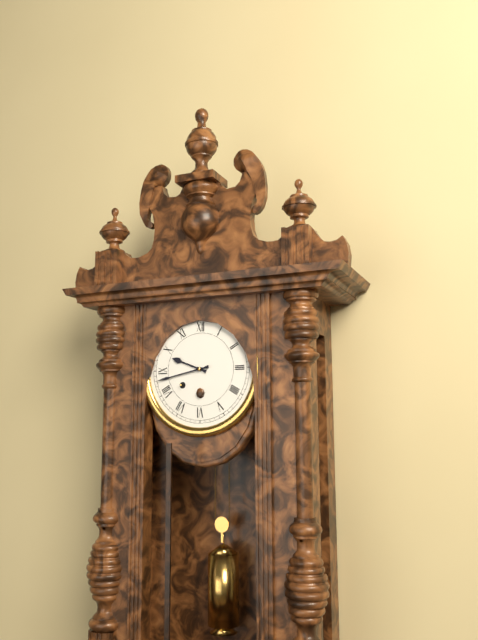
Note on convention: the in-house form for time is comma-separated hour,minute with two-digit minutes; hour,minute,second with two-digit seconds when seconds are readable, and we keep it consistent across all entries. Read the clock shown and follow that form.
9,43
